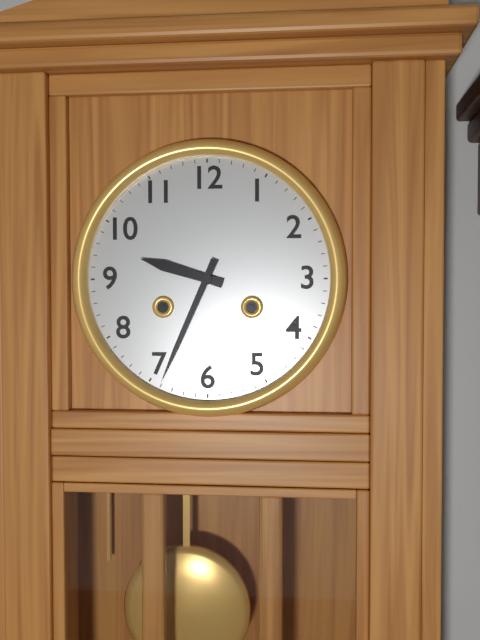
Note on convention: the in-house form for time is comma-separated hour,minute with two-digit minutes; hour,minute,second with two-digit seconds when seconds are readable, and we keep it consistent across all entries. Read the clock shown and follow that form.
9,34
